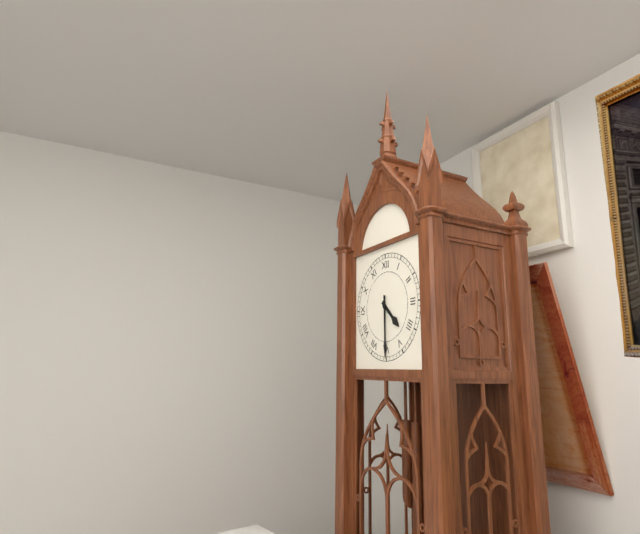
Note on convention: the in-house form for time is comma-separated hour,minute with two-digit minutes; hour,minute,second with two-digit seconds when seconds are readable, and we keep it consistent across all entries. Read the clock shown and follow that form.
4,30
